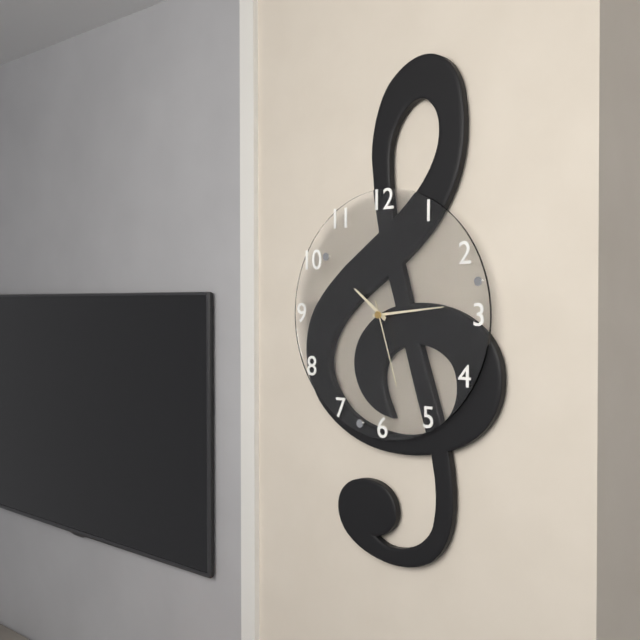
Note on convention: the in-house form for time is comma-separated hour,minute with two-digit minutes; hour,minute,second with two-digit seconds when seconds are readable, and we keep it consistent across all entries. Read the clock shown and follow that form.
10,14,27
